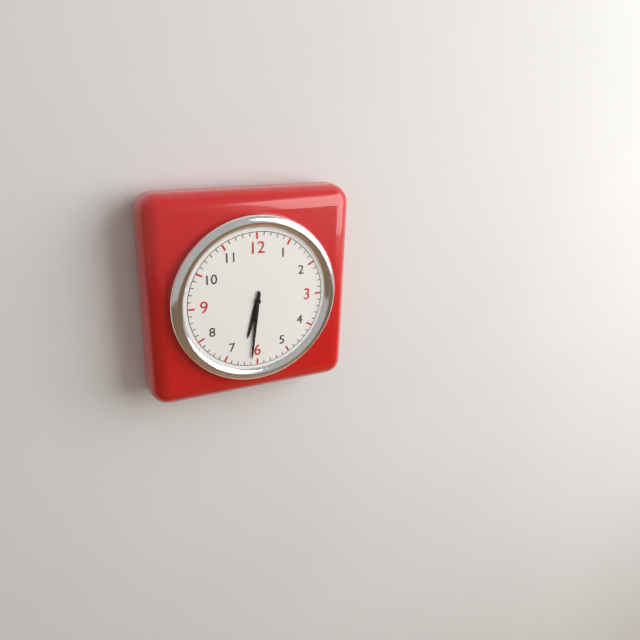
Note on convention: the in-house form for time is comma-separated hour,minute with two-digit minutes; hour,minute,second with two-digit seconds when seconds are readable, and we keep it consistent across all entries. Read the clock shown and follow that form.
6,31
